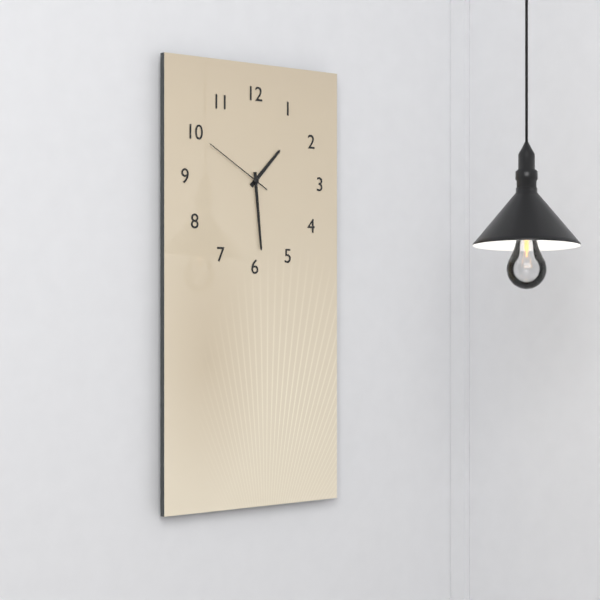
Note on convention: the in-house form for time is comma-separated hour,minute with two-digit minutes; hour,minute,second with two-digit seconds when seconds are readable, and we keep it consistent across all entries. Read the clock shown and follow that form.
1,29,50
